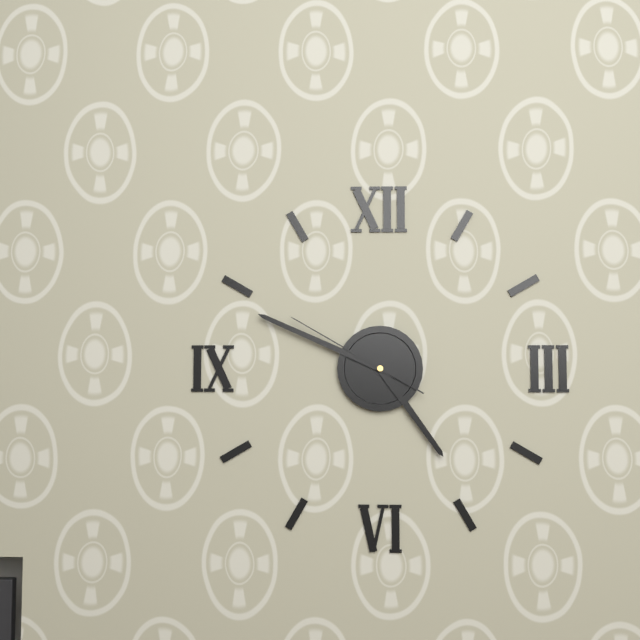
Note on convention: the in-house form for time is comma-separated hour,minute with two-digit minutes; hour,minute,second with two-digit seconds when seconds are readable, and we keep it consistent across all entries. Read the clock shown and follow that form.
4,49,50
